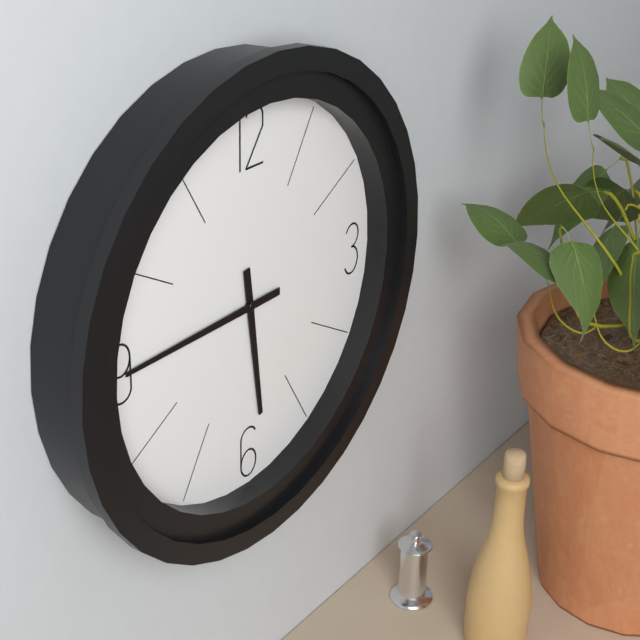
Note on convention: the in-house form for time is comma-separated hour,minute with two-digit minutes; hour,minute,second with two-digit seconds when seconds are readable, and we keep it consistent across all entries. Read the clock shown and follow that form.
5,45
